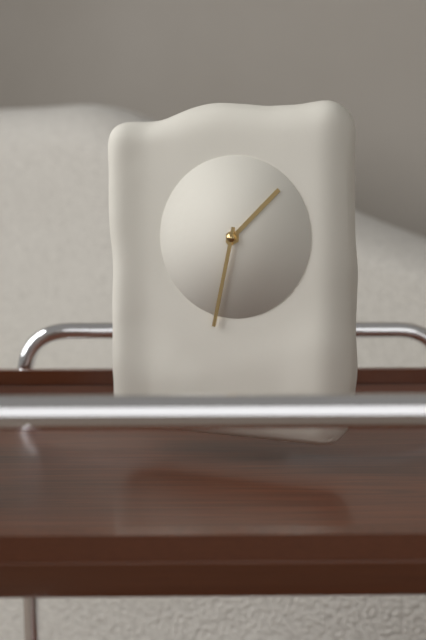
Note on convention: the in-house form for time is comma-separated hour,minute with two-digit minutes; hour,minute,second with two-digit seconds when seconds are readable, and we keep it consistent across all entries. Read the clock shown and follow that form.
1,32
